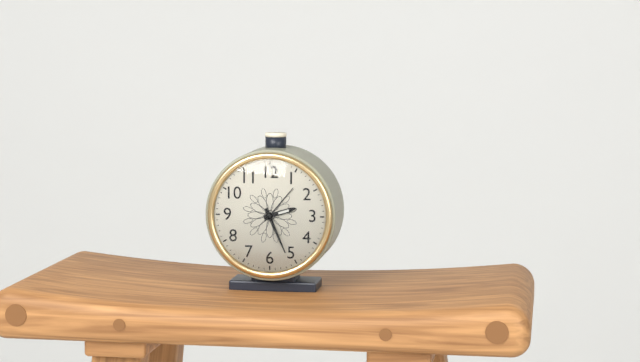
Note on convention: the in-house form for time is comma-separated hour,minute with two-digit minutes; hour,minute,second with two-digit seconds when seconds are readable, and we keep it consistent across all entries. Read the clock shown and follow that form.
2,26
